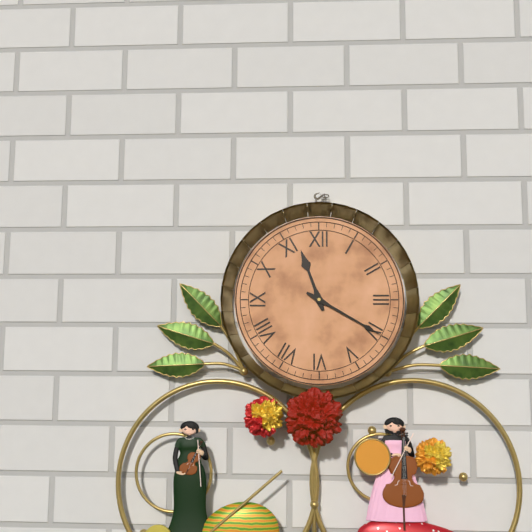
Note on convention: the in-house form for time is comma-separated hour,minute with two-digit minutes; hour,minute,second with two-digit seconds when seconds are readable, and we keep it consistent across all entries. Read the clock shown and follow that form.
11,20
